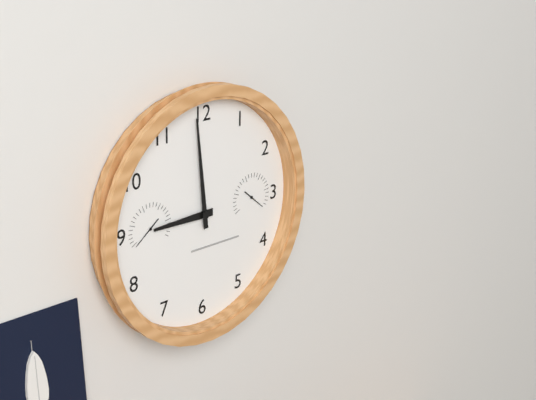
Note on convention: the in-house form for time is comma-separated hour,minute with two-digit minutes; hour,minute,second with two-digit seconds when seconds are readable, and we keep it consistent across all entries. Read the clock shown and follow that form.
8,59
